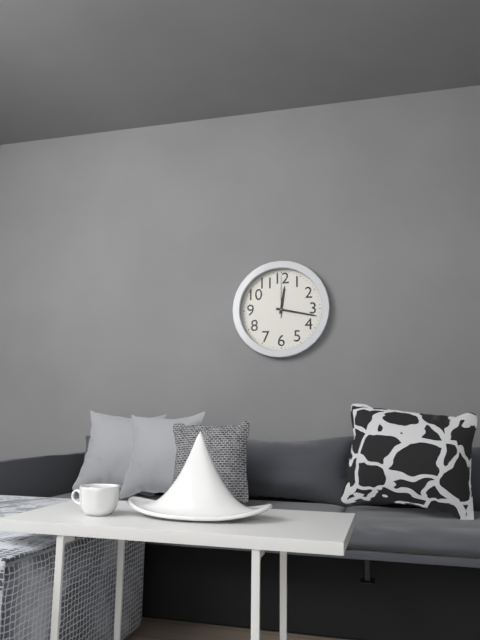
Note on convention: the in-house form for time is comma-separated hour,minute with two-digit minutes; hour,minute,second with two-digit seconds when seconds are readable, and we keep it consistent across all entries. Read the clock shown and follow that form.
12,17
